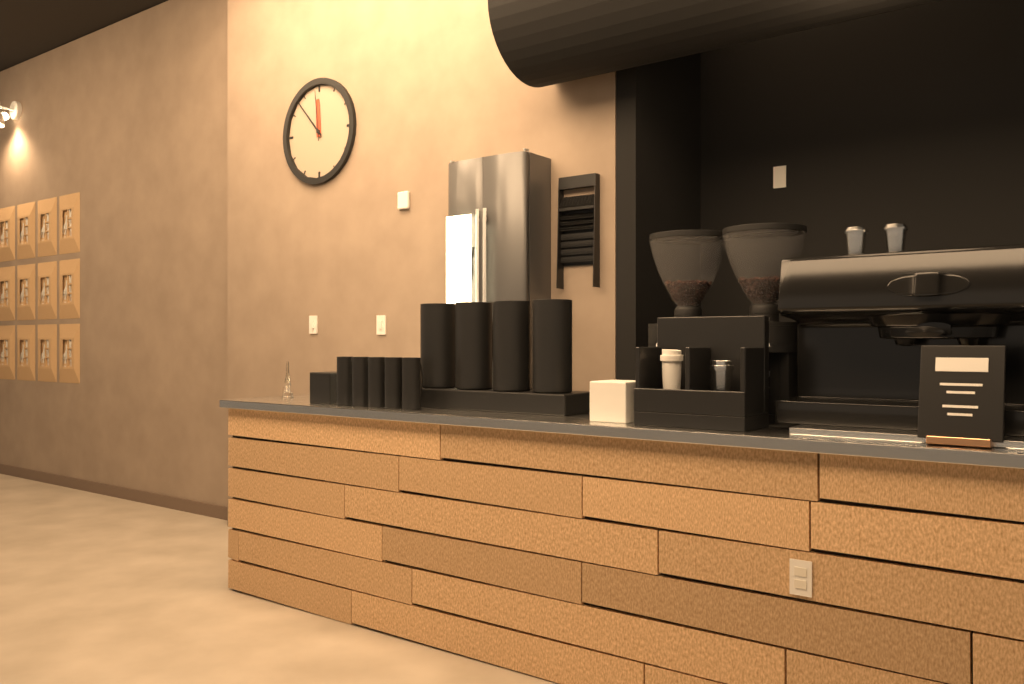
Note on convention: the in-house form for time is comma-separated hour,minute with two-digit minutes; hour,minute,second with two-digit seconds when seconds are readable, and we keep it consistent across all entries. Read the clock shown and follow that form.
11,53,59
